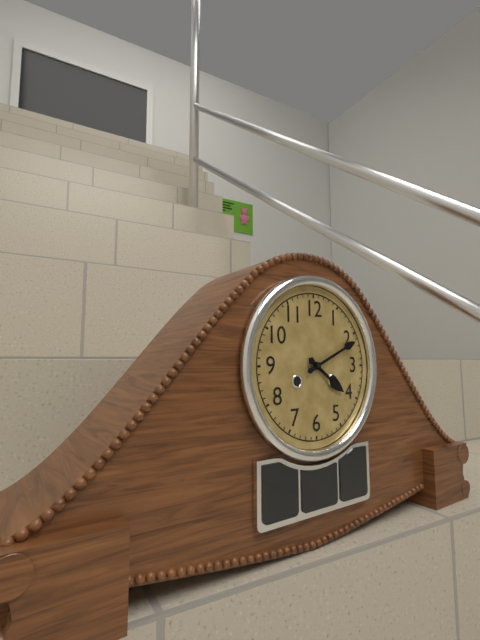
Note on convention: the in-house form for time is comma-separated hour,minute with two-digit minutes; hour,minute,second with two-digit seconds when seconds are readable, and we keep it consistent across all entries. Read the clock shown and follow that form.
4,11
